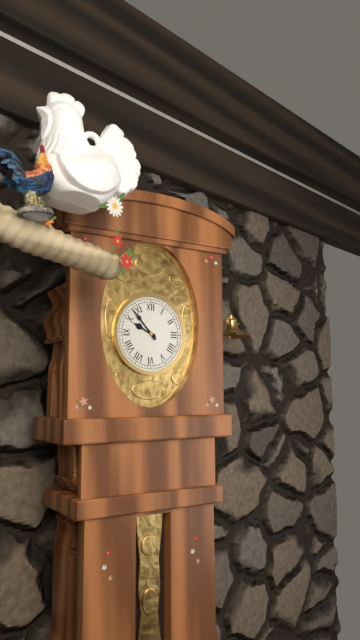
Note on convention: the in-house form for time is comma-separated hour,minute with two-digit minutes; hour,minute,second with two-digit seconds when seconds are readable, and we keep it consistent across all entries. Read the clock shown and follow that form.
9,53
